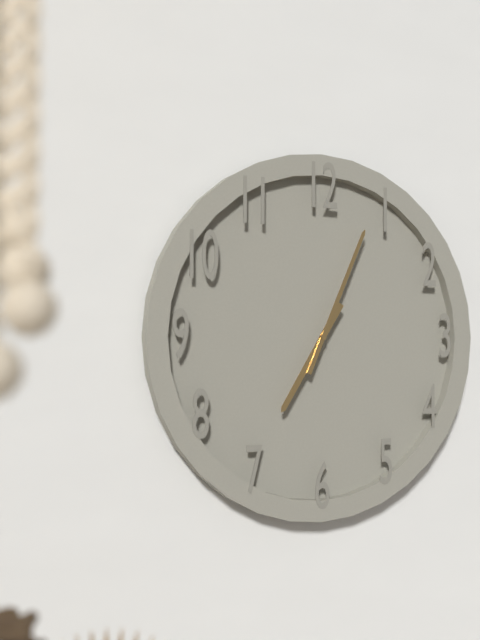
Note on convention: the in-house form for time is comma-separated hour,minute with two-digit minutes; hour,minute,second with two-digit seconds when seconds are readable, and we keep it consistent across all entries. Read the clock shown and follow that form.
7,04
